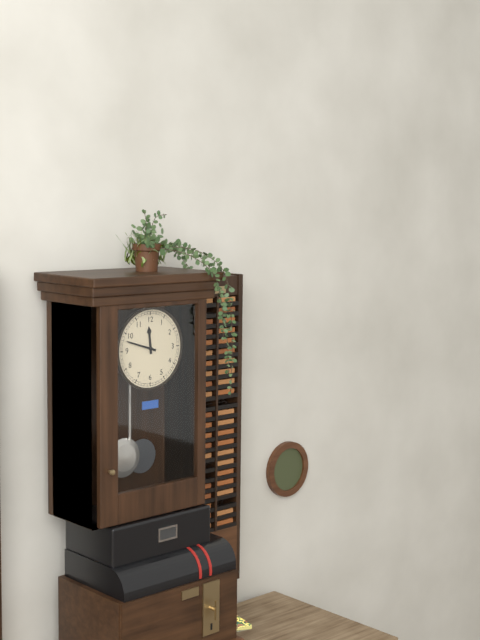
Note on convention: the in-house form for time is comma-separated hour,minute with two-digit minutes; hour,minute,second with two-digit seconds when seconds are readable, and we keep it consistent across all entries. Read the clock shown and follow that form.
11,48
